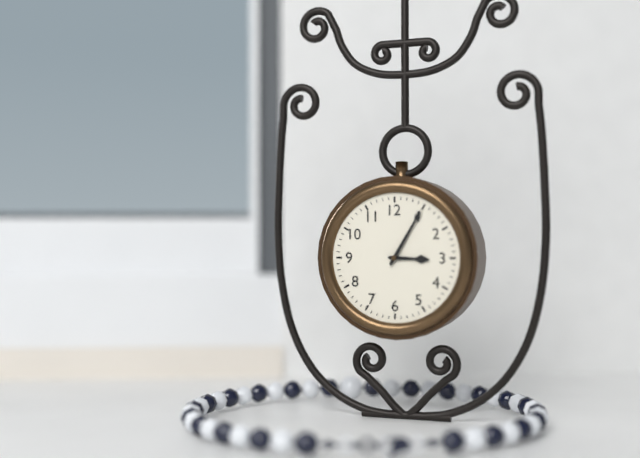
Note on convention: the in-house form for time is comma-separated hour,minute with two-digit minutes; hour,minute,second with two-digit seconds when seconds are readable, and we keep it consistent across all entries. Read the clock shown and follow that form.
3,05
